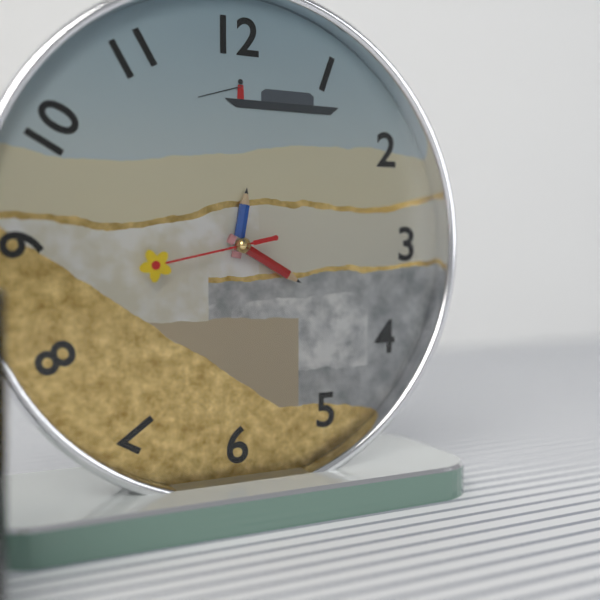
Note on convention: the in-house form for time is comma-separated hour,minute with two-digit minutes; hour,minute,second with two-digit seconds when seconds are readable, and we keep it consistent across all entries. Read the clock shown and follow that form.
12,20,43
